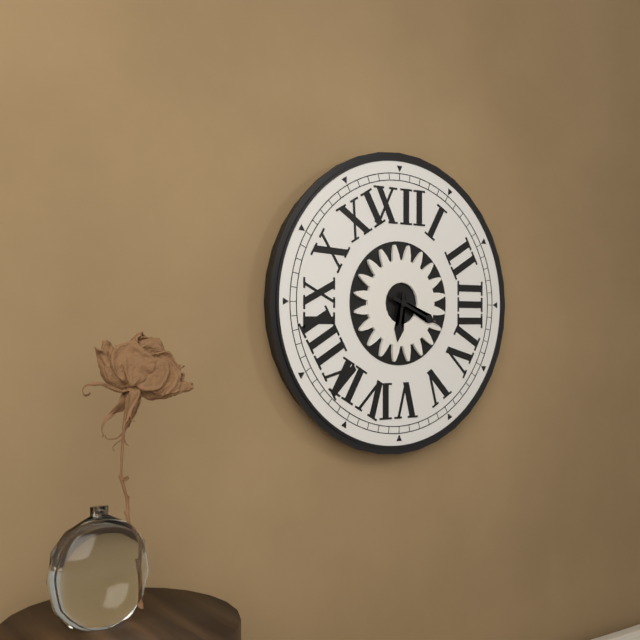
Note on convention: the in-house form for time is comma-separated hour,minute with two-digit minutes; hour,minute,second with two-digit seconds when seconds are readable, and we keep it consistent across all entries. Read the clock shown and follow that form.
6,19
